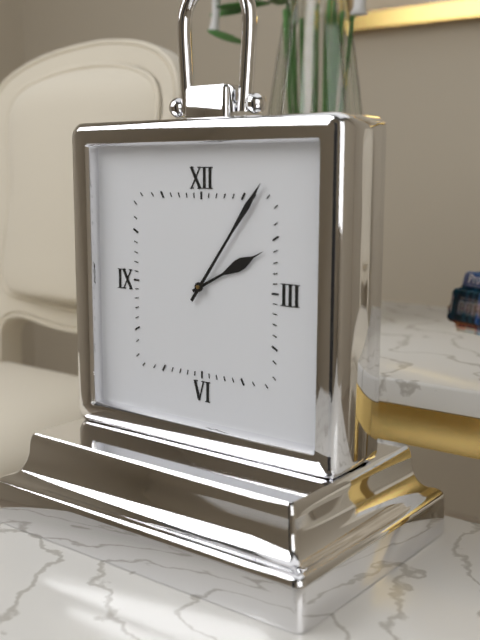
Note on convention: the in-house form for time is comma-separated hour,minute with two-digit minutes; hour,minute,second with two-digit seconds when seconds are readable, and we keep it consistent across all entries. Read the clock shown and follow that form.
2,06
